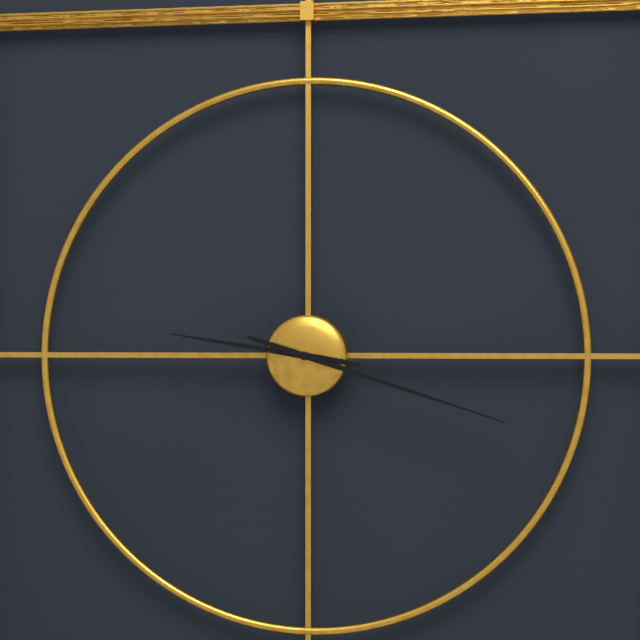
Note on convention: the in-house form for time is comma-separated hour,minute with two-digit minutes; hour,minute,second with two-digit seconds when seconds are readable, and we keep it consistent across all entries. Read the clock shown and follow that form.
9,18
